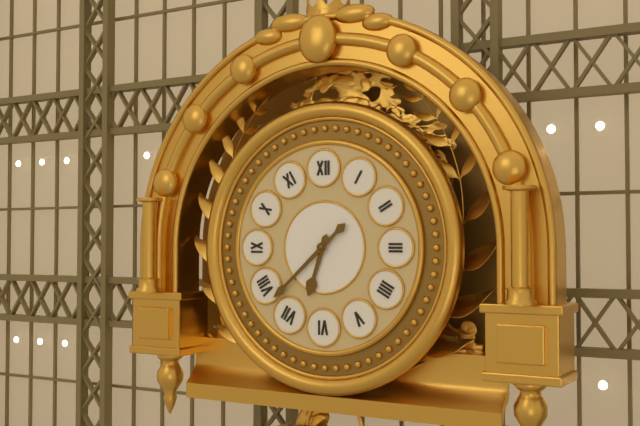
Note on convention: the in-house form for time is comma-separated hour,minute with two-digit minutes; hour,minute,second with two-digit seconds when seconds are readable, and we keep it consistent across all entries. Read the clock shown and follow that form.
6,38
